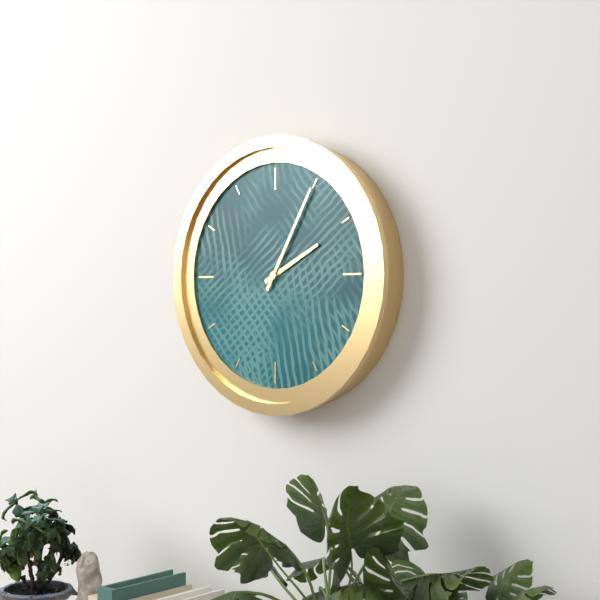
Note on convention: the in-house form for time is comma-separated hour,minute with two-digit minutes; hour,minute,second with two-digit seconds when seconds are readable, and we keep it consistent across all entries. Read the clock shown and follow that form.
2,05
